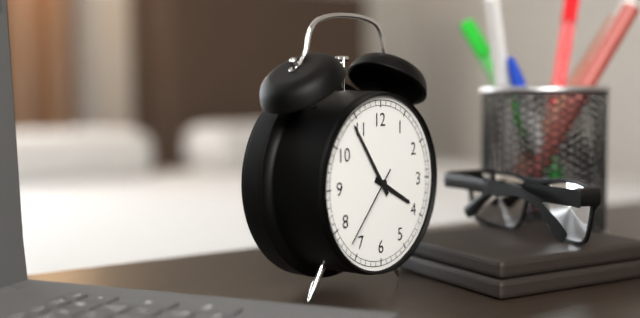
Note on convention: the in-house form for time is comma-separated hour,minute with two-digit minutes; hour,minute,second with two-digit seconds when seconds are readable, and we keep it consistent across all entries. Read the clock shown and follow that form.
3,54,37
